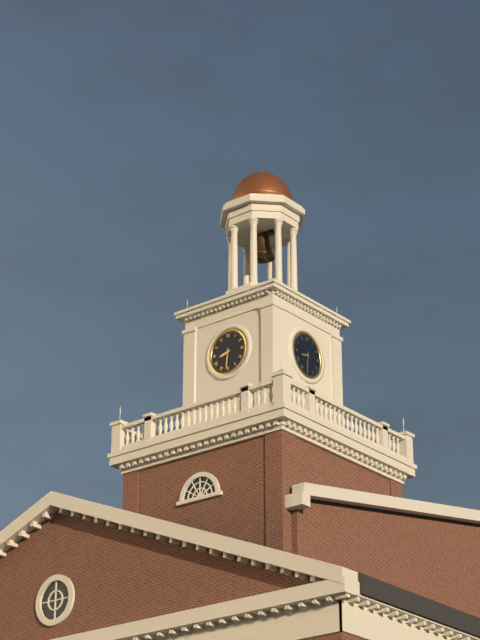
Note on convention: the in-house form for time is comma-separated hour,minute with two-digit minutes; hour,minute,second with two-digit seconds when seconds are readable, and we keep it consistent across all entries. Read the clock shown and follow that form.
8,31
